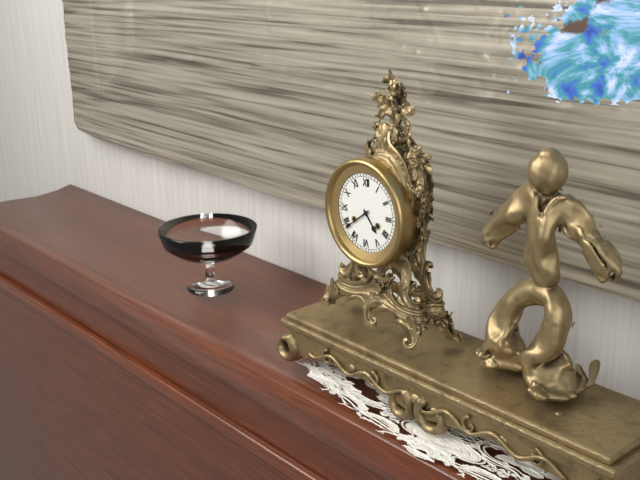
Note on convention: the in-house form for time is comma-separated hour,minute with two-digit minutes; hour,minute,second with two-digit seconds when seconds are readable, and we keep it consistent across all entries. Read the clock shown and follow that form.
4,39
